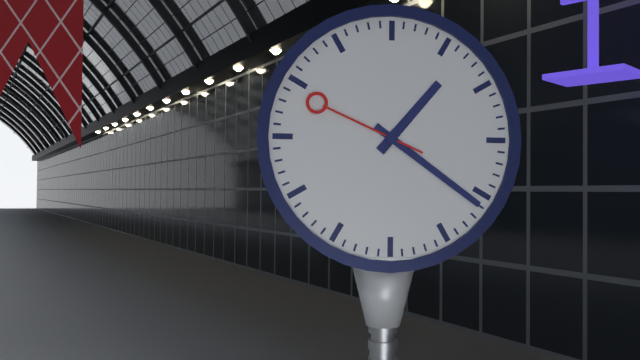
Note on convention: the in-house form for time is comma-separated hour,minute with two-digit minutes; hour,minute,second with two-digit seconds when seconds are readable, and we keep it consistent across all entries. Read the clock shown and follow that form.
1,21,49
